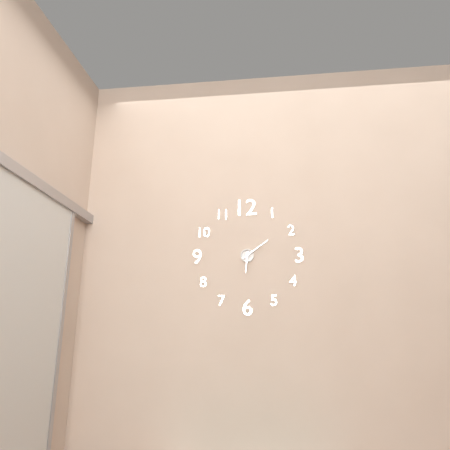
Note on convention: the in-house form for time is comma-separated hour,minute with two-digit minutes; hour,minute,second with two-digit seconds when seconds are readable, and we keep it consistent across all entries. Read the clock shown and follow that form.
6,09
